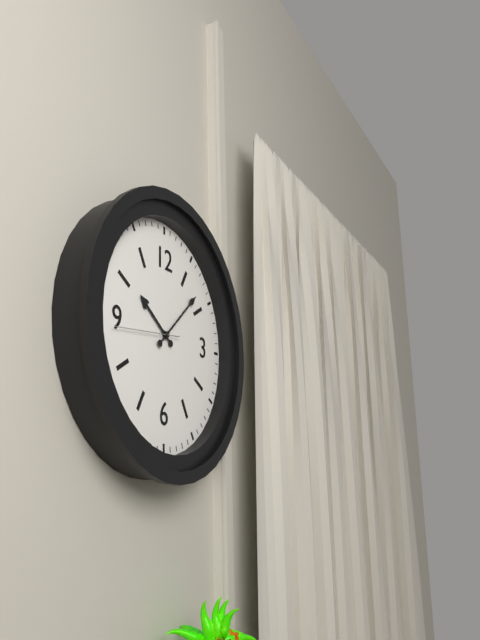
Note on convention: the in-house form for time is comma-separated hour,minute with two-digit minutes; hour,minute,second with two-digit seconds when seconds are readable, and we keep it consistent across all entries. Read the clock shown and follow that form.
10,08,44
